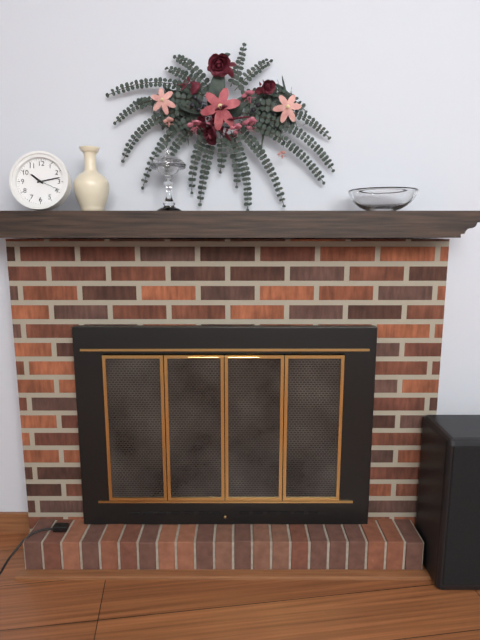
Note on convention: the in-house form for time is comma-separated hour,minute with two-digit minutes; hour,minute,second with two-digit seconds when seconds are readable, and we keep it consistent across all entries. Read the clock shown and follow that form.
10,13
